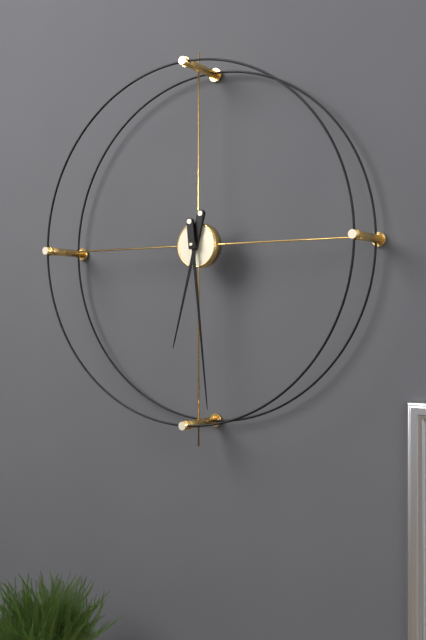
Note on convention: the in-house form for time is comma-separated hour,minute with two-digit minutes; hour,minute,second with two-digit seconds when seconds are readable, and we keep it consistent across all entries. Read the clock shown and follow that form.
6,29
